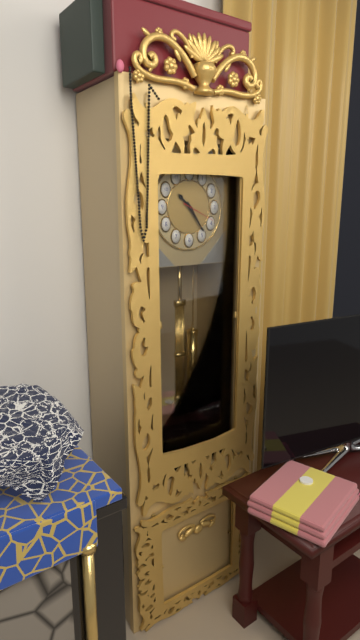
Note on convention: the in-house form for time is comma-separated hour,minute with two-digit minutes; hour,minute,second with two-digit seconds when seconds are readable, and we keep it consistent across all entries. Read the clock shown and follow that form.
10,24
